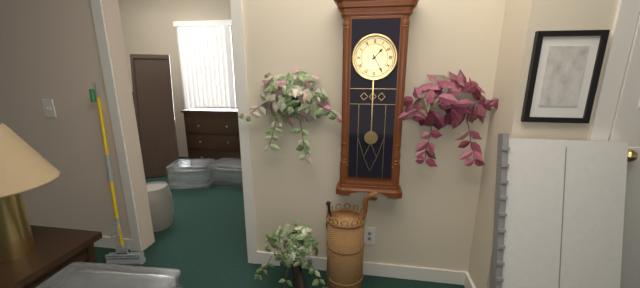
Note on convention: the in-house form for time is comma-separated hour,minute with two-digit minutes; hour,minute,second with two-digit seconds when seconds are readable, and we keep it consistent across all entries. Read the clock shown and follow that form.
1,25
